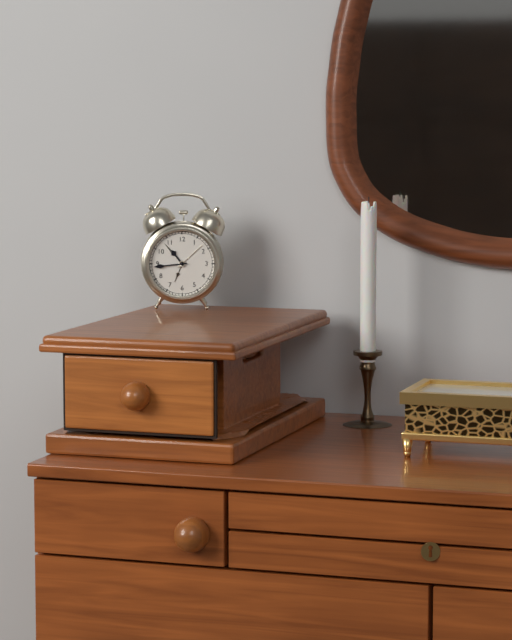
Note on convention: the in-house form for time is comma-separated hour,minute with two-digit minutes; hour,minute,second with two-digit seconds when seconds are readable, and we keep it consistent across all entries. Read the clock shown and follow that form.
10,44
